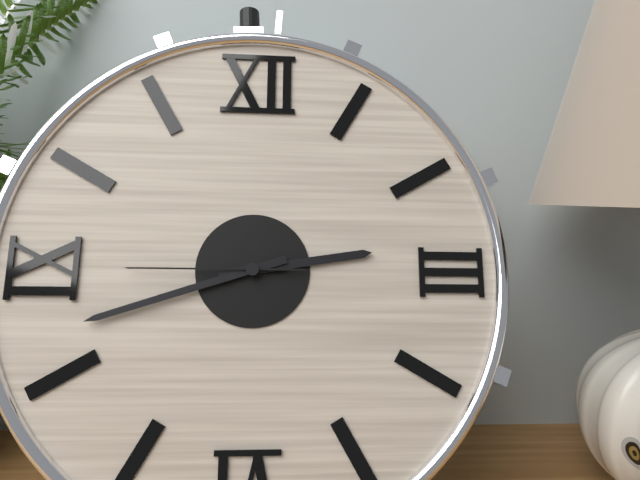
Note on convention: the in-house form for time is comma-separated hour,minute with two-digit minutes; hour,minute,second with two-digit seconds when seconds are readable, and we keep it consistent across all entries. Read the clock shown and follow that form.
2,42,45
